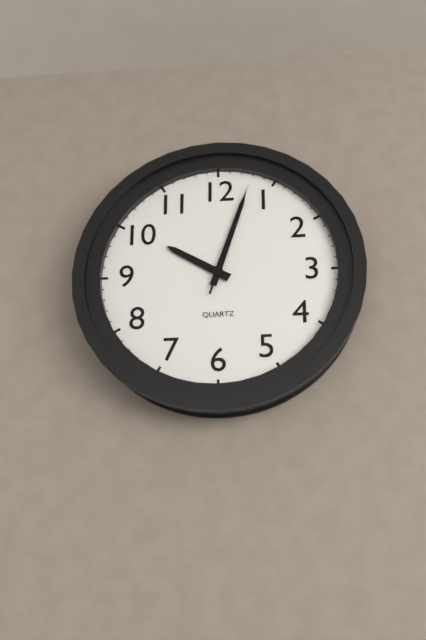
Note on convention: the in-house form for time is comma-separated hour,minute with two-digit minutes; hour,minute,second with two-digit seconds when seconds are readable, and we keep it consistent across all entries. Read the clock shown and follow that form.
10,03,03
